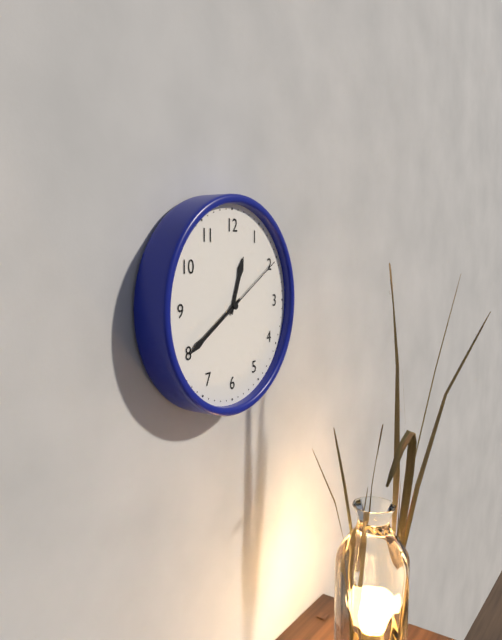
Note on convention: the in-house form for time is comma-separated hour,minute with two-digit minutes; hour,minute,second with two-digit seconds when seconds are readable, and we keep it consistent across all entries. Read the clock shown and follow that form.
12,40,10
